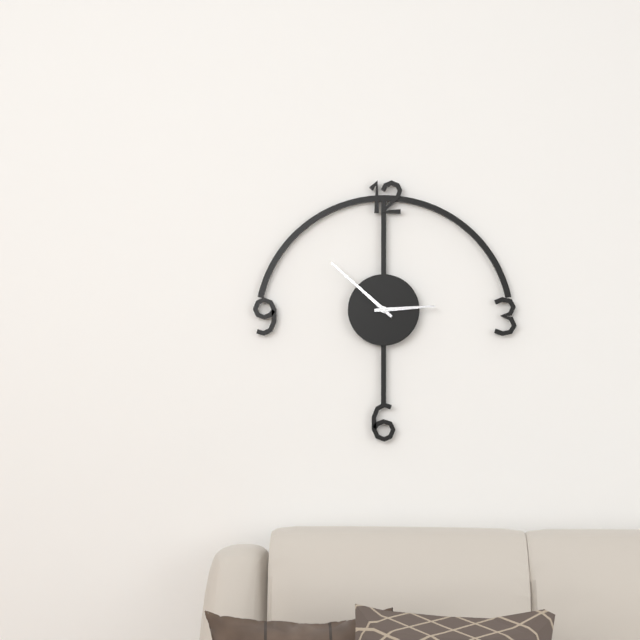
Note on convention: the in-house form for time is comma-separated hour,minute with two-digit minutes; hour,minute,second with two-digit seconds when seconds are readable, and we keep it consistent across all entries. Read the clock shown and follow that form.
2,52
